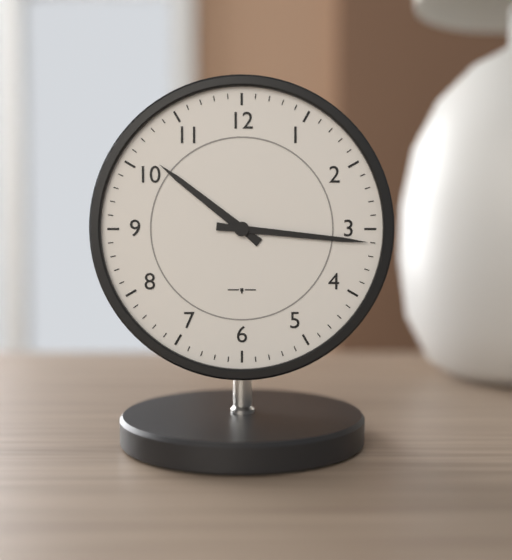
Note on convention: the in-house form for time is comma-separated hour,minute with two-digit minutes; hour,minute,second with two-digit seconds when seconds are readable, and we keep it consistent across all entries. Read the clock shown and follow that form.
10,16
